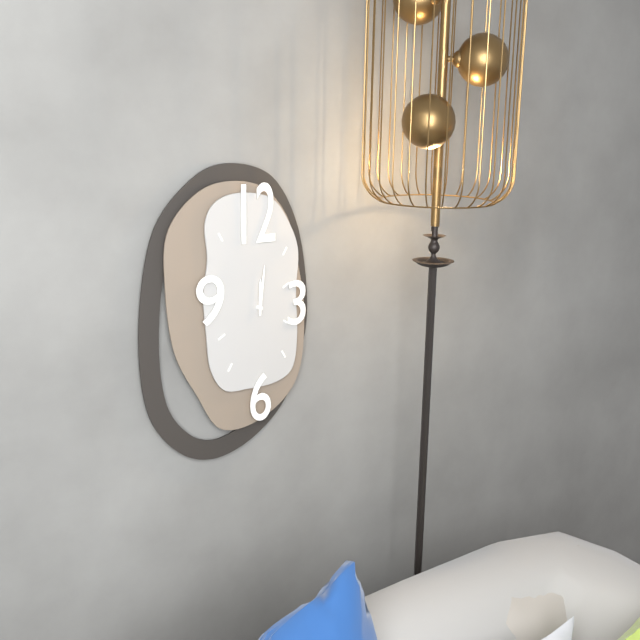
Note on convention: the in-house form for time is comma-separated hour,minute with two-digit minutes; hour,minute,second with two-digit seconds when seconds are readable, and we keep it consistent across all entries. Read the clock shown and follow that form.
12,01
